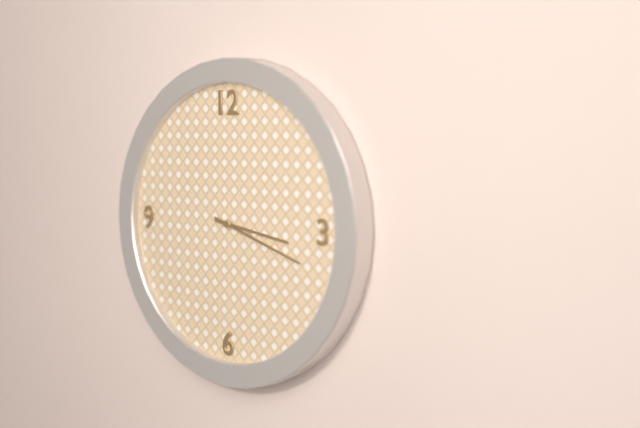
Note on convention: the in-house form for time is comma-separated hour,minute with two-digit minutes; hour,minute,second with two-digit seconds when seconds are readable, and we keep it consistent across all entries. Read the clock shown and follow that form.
3,18
